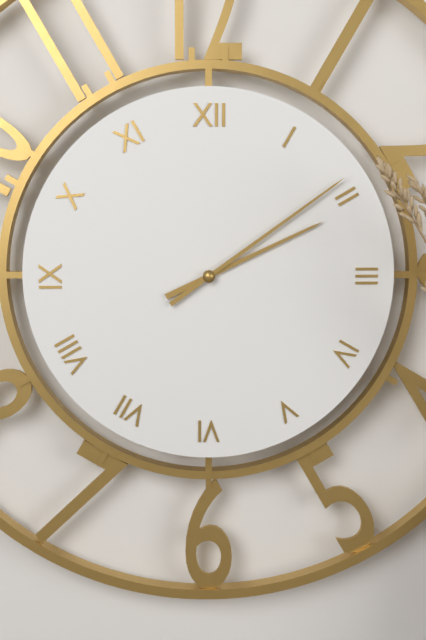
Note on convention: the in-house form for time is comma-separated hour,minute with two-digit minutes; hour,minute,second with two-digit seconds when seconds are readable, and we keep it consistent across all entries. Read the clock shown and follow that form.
2,09
